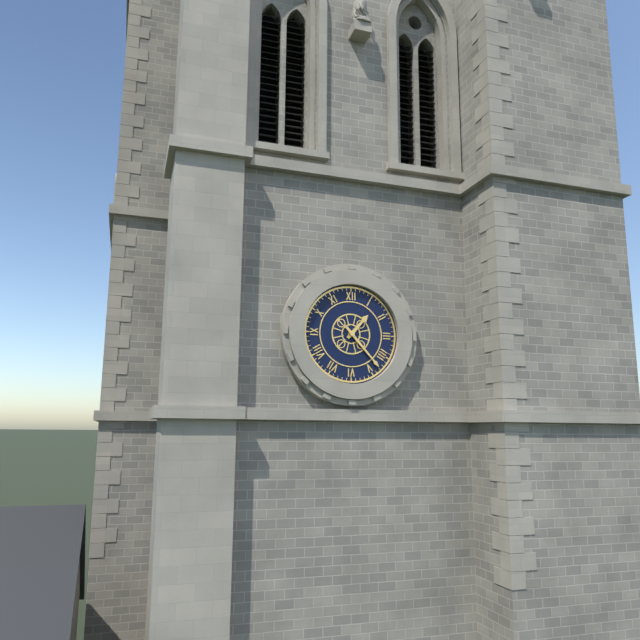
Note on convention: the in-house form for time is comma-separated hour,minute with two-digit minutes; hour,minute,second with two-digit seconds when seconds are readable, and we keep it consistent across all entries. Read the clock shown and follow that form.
1,23
